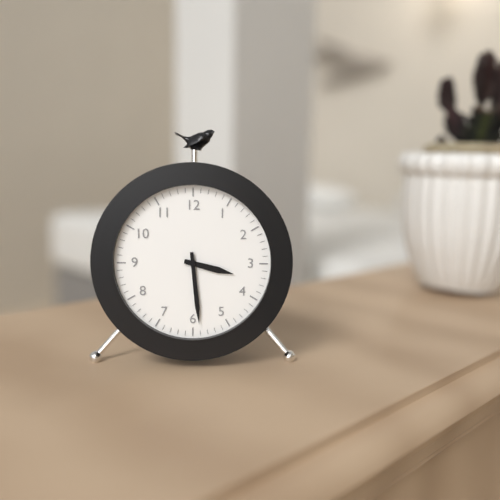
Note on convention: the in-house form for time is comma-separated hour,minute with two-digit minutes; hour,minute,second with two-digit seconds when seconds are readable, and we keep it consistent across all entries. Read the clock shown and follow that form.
3,29
